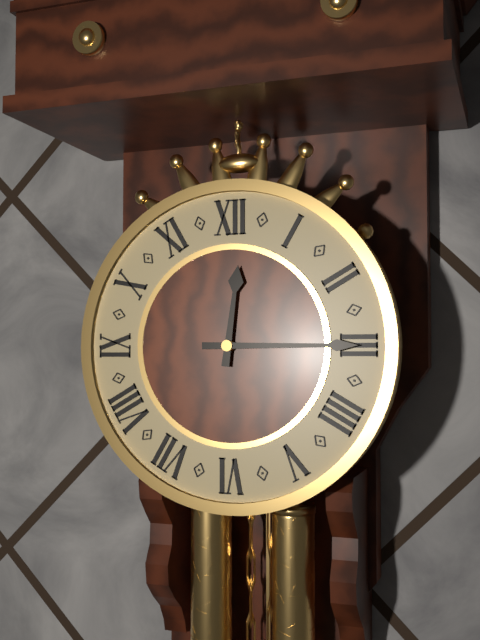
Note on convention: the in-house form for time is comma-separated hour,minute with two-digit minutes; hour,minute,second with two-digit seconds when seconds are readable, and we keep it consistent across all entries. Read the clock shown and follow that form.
12,15
